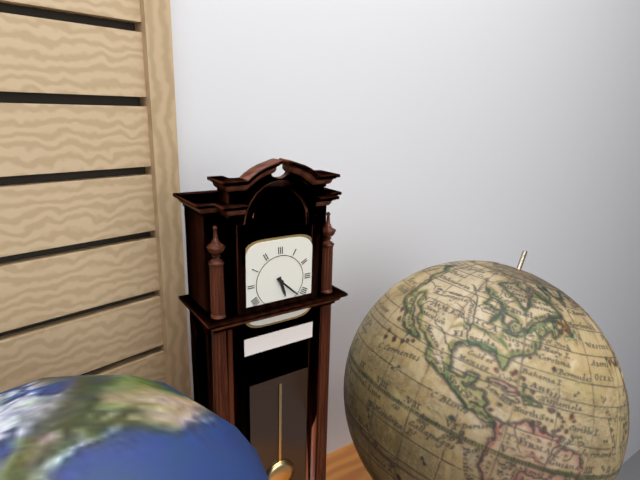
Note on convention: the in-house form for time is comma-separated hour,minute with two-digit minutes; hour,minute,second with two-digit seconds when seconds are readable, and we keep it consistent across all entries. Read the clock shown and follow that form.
5,22
